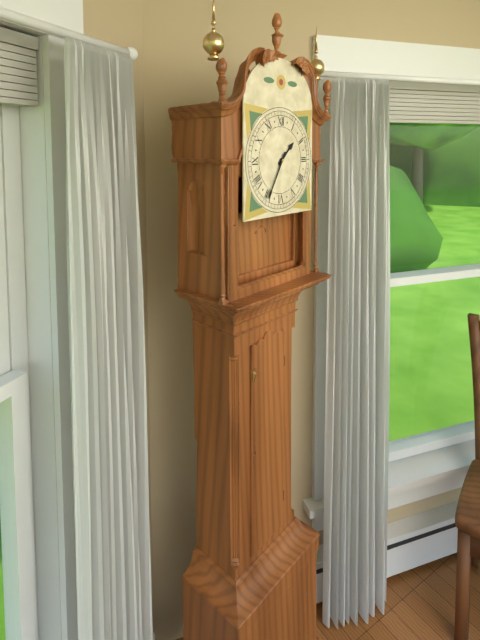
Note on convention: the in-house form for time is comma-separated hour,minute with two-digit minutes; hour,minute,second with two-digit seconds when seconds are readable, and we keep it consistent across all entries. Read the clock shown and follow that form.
1,35
